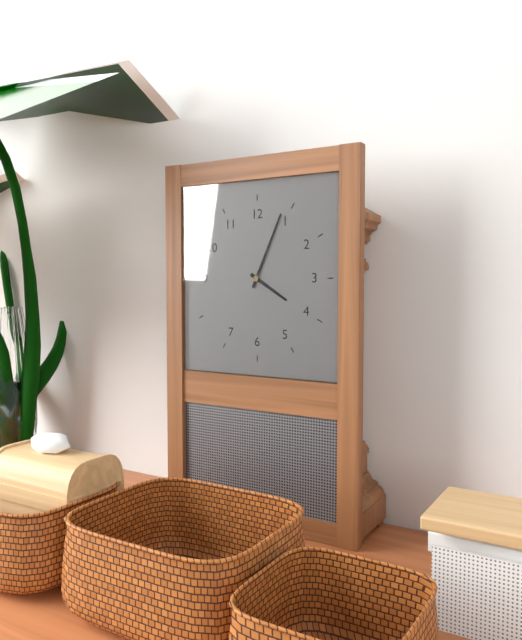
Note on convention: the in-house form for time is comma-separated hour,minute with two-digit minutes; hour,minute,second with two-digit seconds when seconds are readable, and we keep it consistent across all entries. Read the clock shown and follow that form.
4,04
